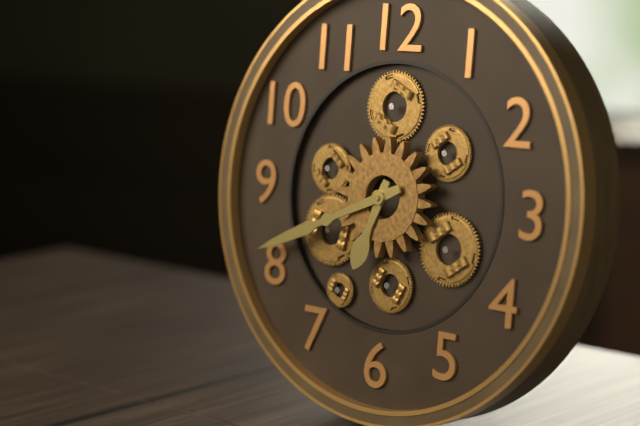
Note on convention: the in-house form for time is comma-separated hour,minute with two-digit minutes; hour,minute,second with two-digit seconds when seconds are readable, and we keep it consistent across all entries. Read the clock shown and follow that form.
6,41
